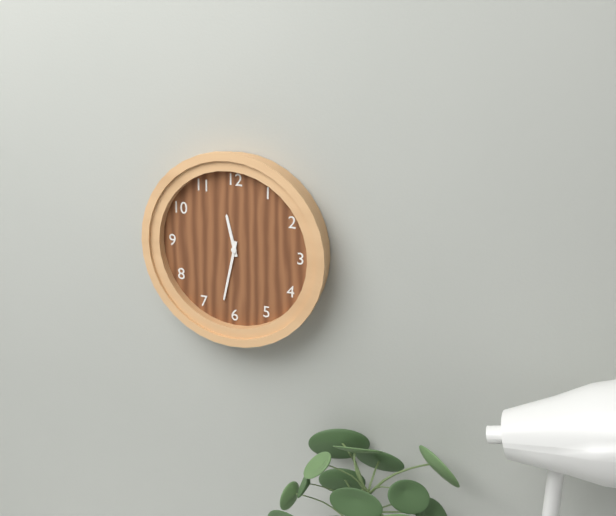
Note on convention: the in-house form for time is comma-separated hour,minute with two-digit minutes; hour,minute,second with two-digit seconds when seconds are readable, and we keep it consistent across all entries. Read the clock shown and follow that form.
11,32
